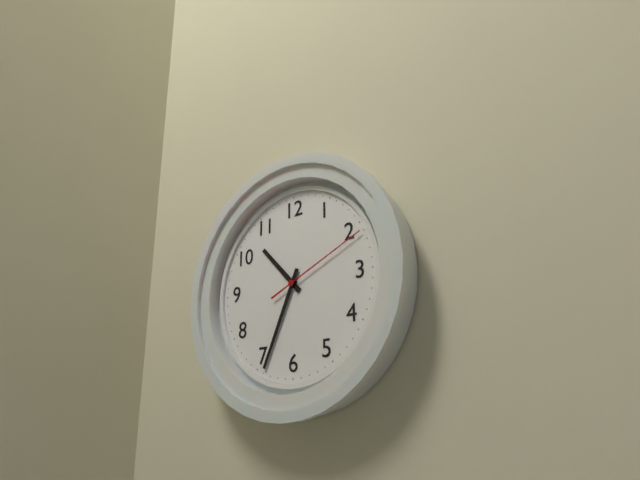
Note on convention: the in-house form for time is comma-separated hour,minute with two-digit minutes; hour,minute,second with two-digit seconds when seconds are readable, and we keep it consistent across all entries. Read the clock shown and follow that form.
10,34,11
